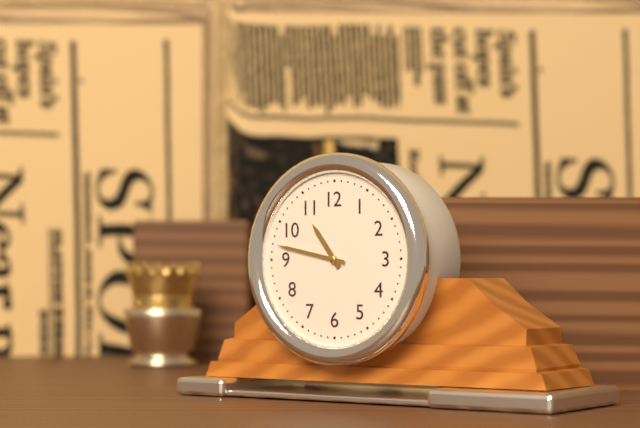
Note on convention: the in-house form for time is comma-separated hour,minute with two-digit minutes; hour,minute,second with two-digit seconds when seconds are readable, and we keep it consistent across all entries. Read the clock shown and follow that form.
10,47
